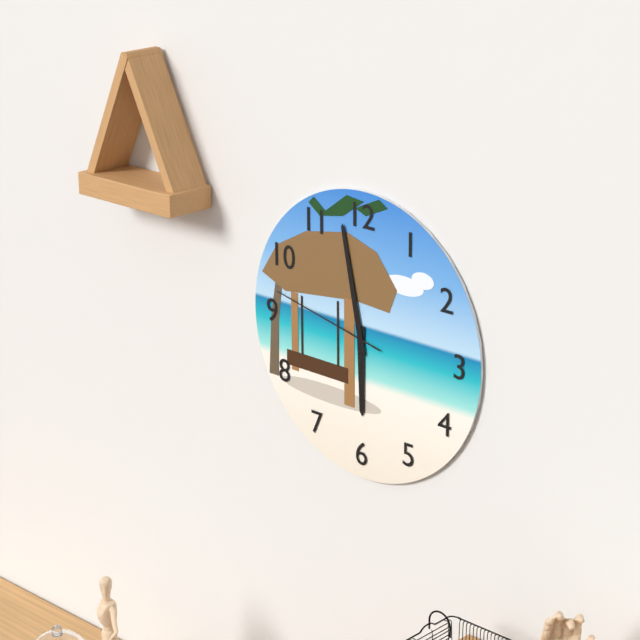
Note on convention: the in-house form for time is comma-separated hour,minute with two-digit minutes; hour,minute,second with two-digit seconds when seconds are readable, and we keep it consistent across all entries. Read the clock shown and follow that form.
5,58,47
